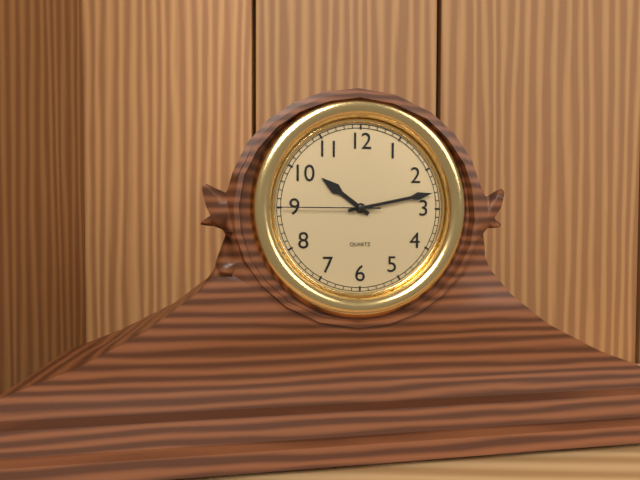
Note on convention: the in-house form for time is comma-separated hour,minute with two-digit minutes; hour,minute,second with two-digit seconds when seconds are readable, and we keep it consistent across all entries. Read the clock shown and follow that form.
10,13,45
